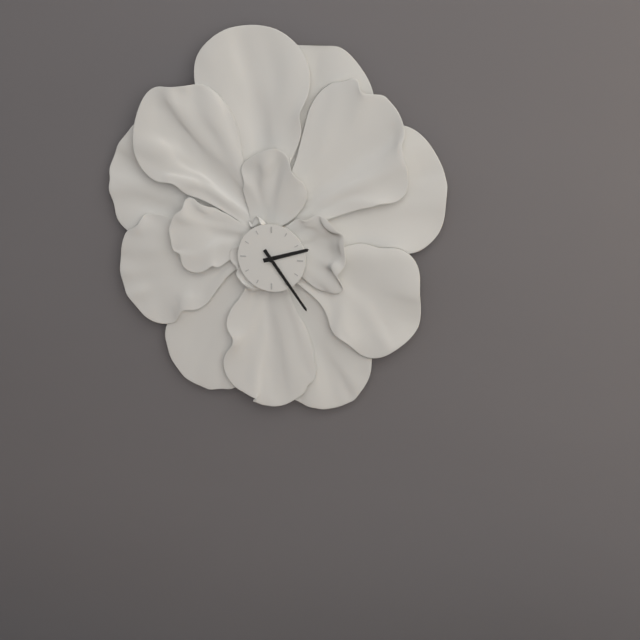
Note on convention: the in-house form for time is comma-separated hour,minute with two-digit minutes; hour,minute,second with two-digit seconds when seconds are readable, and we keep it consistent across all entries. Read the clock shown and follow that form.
2,24
